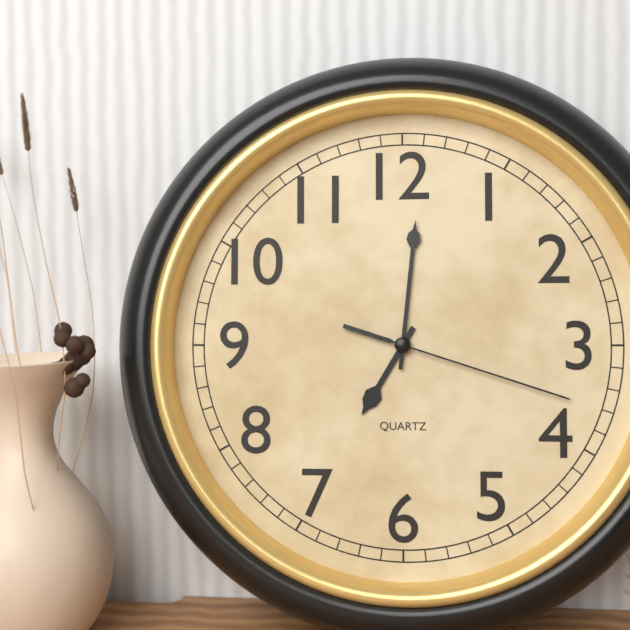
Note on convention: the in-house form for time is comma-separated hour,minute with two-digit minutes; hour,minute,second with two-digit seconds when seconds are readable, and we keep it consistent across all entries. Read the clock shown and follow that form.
7,01,18
